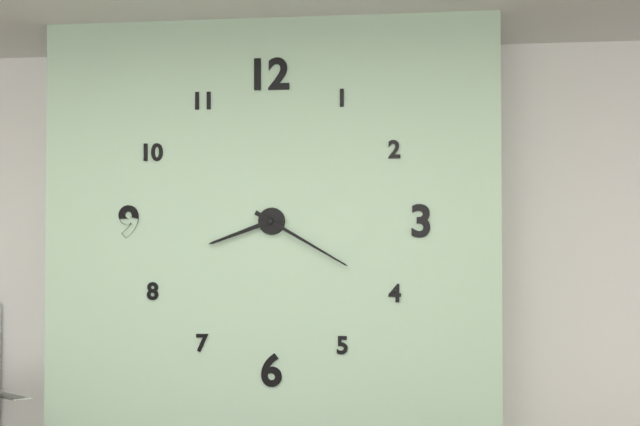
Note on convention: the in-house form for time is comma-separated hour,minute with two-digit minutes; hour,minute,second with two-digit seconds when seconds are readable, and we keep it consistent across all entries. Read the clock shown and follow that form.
8,20
